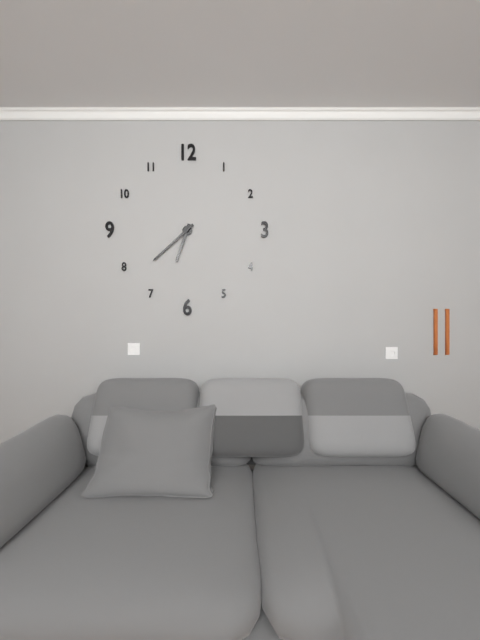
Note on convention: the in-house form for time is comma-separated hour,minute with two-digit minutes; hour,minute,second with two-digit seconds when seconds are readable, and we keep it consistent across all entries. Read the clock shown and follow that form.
6,38
